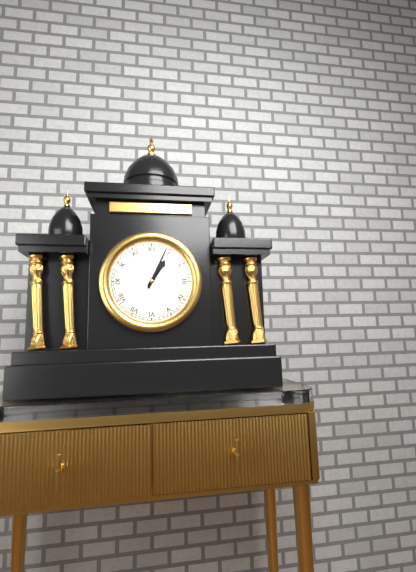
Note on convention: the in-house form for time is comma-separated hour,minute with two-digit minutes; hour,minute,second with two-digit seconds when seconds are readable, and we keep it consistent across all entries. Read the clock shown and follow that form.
1,04
